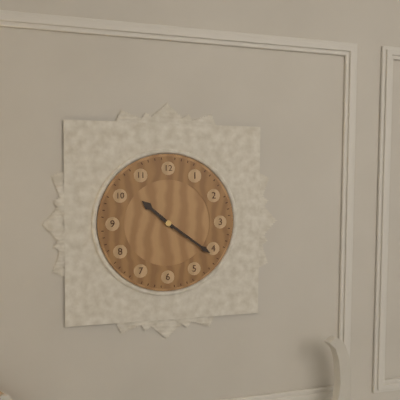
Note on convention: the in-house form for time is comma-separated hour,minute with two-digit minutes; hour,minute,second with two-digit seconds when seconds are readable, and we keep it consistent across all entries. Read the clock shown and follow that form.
10,21
